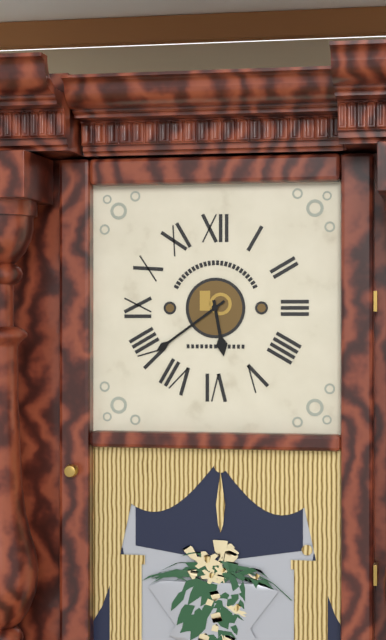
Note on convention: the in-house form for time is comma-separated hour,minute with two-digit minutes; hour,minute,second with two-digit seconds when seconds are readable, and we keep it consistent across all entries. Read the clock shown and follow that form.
5,39
